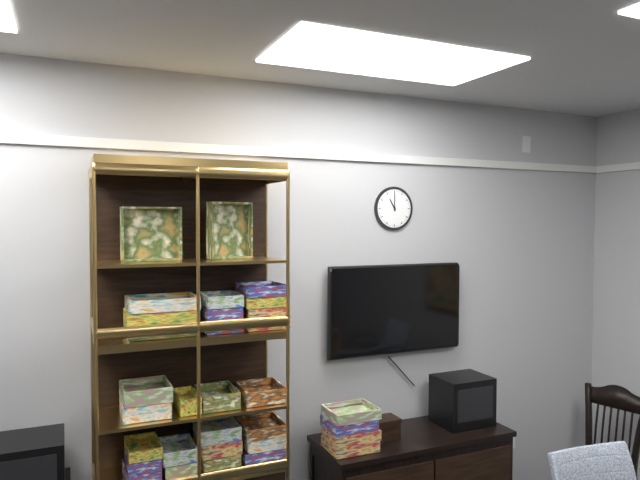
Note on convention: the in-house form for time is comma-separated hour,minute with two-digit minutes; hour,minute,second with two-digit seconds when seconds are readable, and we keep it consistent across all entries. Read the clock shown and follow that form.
11,00
